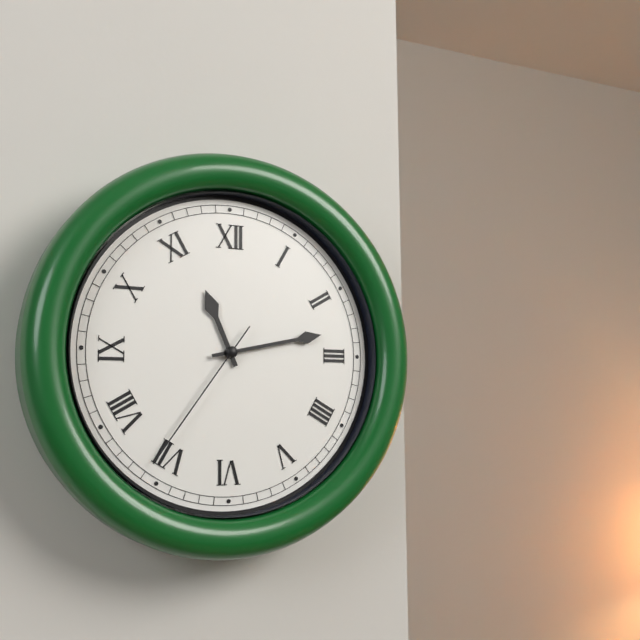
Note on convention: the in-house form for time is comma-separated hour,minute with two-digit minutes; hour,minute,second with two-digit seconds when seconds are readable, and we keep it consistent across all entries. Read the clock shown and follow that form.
11,13,36
